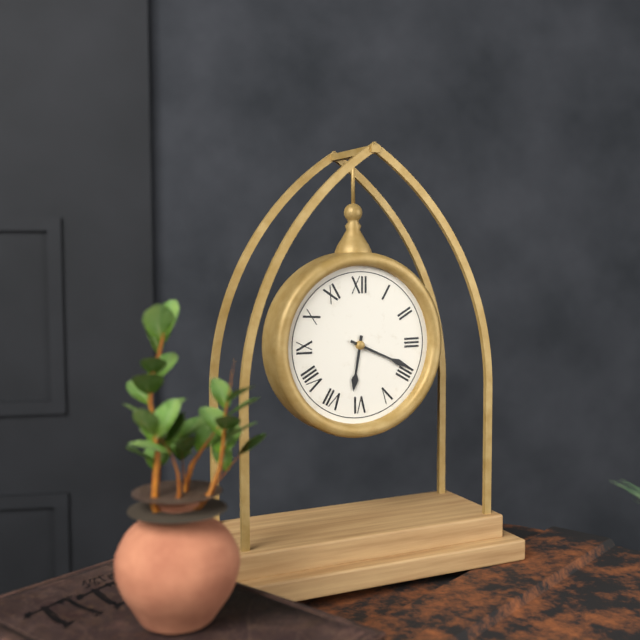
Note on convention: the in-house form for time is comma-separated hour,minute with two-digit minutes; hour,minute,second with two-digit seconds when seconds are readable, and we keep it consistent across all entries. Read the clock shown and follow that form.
6,19
